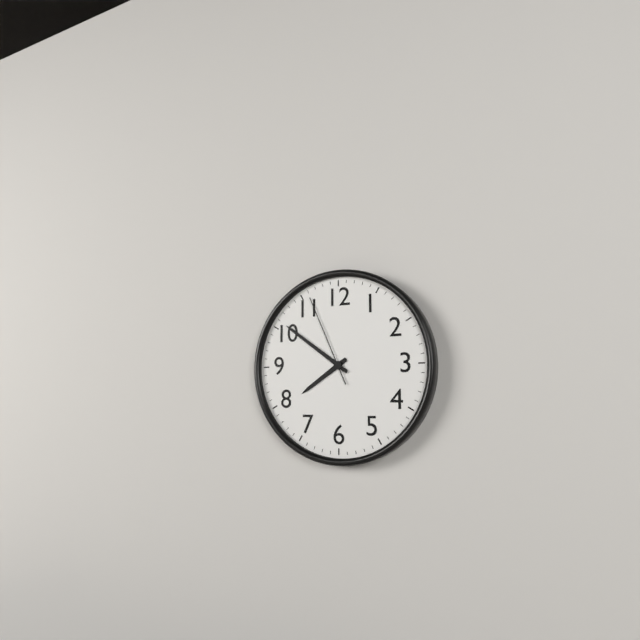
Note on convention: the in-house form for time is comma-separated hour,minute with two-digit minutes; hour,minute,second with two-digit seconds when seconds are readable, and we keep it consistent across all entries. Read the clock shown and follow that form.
7,51,56
